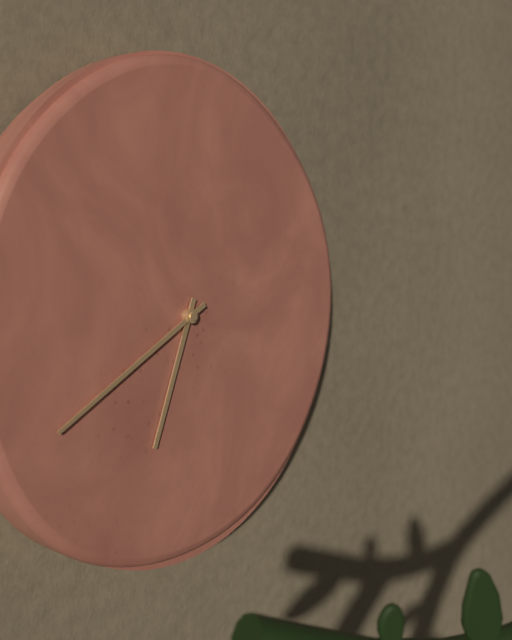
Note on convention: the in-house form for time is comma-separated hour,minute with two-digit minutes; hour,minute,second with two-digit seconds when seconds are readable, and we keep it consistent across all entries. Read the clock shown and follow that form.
6,40
